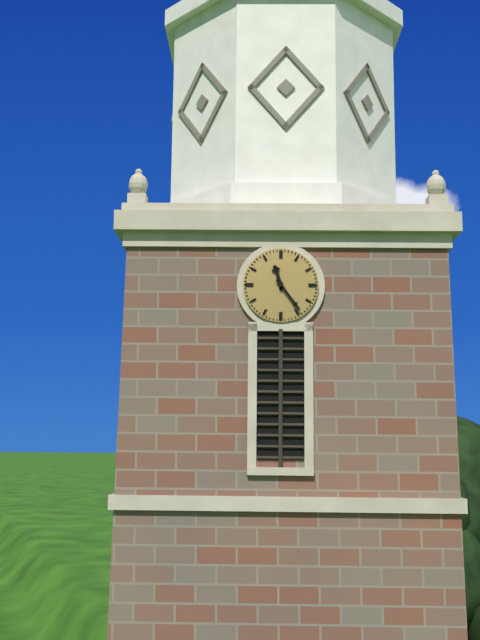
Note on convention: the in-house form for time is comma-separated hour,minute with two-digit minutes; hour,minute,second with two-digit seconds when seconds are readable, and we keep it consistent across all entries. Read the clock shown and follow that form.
11,24
